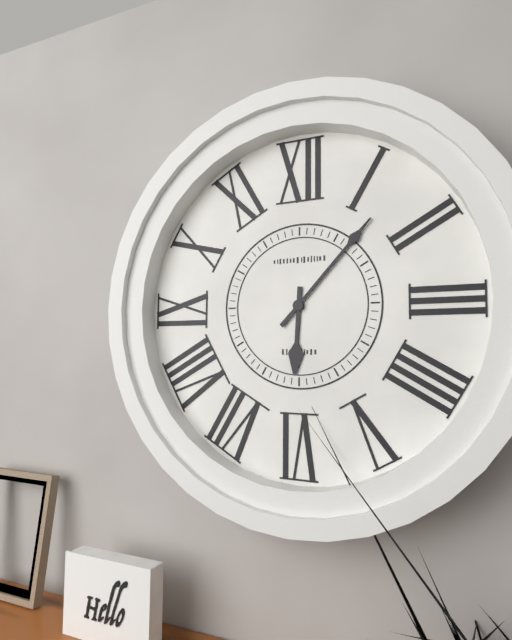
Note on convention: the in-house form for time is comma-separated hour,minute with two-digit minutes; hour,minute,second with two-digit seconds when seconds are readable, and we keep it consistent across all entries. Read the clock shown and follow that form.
6,07
